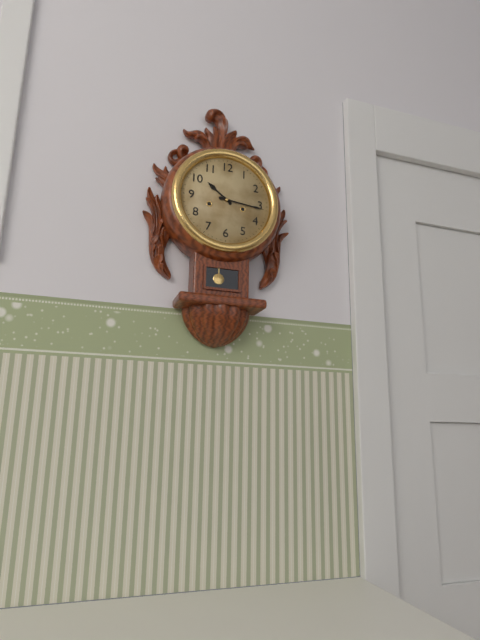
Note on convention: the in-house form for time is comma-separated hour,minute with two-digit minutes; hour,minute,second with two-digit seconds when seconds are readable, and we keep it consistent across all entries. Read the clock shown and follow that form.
10,16
